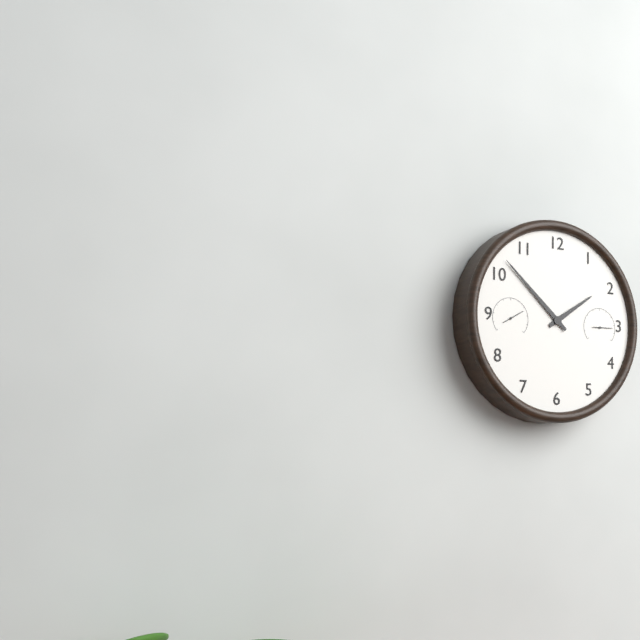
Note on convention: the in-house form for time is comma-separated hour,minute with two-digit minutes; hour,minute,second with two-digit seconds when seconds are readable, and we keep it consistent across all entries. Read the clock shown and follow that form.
1,52
